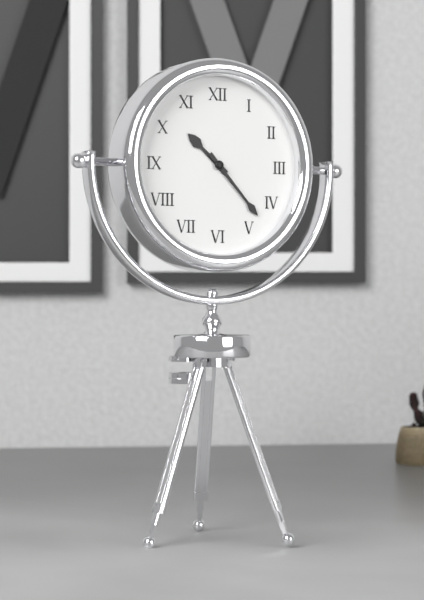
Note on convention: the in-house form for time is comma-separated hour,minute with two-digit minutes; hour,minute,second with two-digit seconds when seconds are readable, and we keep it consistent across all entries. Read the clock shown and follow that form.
10,23
